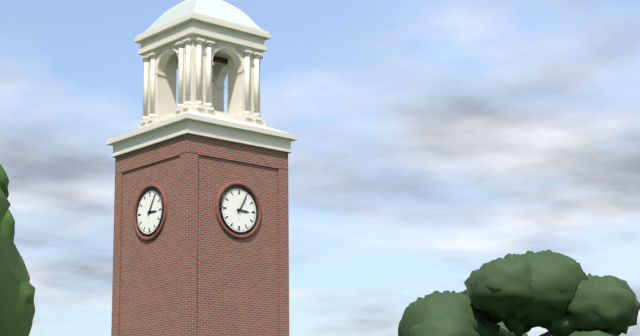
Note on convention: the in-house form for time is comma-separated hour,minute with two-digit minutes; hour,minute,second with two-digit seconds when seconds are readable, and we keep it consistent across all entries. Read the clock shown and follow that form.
3,05
